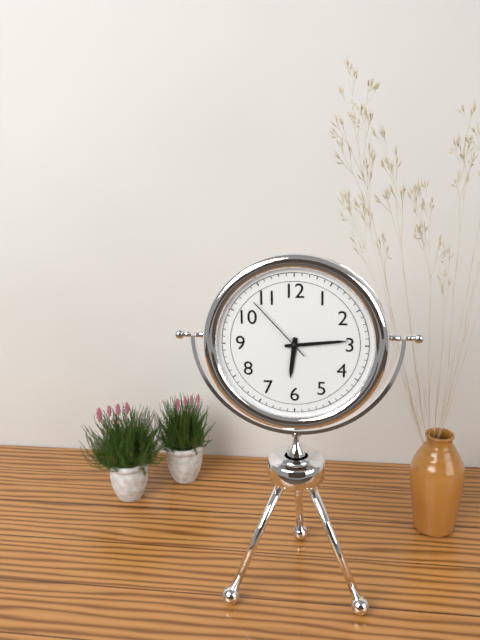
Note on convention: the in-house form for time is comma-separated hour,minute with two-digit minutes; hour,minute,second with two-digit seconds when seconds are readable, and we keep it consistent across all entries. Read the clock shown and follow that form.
6,14,53
